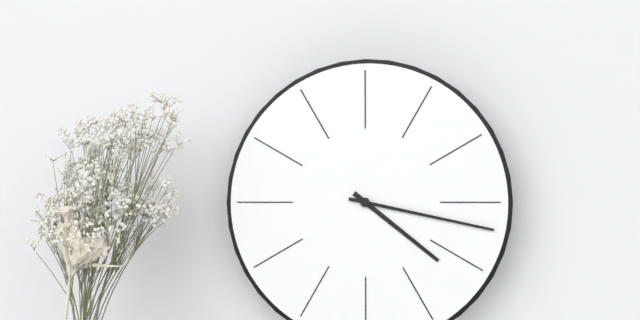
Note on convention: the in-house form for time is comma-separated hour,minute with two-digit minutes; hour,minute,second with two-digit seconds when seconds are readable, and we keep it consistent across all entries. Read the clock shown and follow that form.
4,17
